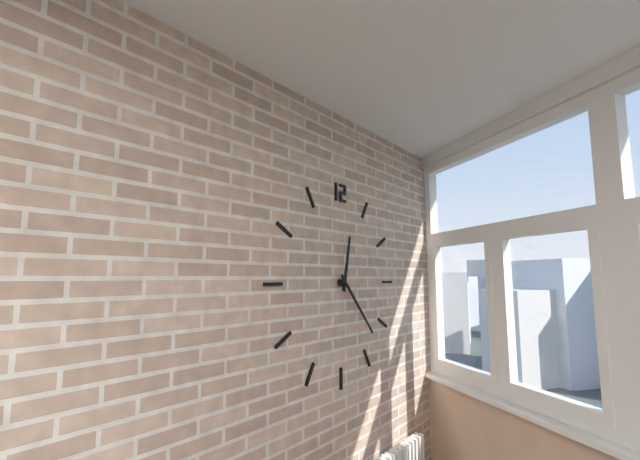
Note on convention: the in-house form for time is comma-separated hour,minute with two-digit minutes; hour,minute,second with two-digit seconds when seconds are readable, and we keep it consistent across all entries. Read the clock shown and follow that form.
12,23
